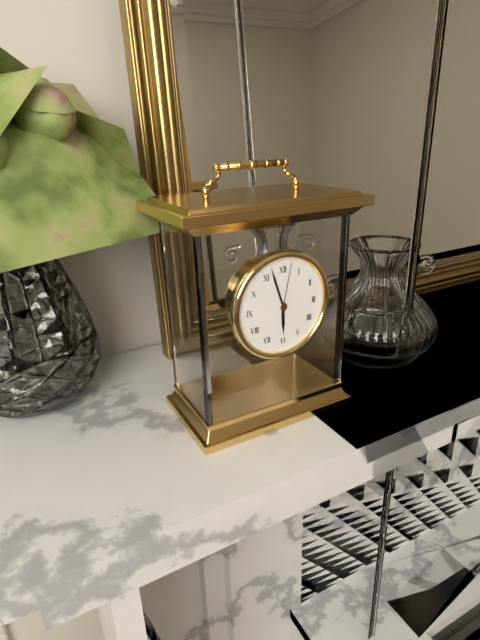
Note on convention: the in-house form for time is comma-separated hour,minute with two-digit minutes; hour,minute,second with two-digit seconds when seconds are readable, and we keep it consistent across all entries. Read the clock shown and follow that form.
5,57,02
